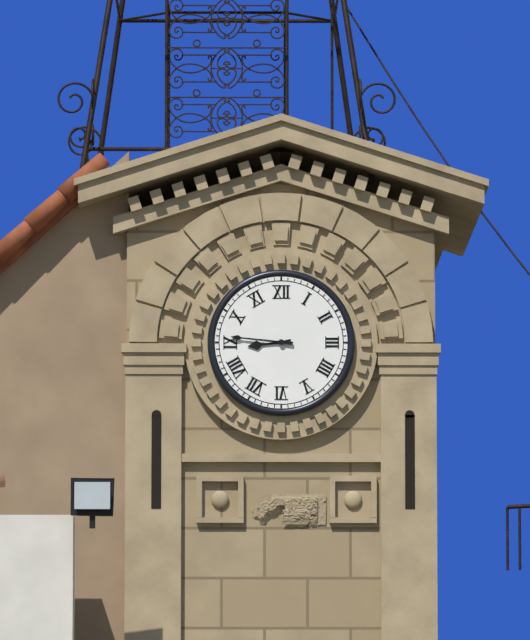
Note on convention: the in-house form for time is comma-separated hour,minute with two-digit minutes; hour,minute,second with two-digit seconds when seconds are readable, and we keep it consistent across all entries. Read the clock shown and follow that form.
8,46
